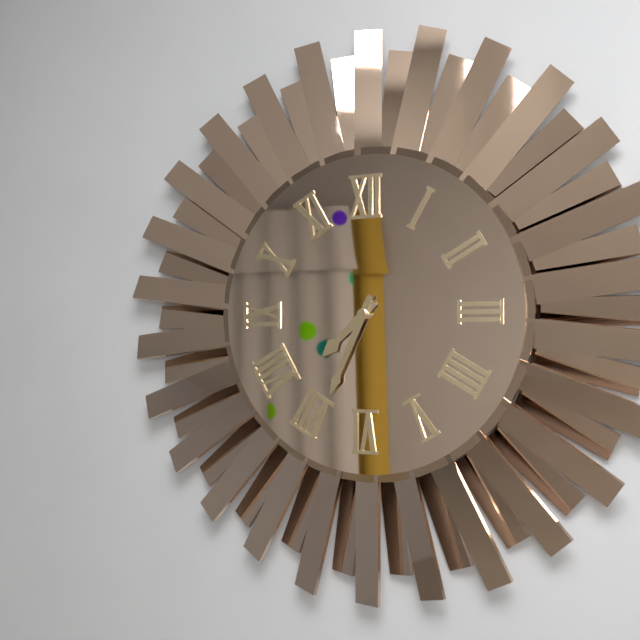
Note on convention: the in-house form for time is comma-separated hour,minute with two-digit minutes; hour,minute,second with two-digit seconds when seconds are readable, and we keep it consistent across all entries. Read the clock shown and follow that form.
7,34
